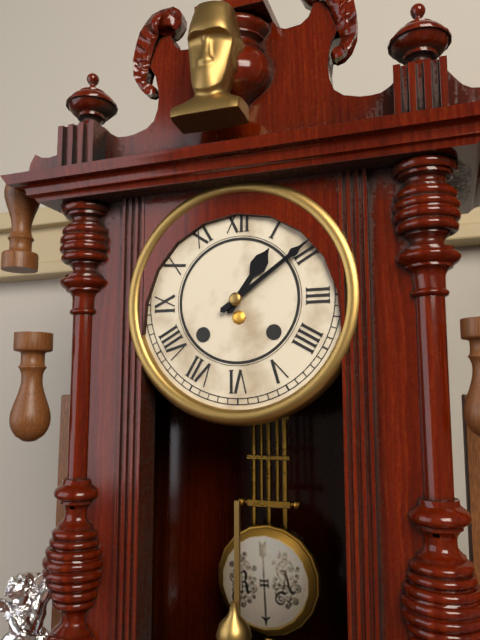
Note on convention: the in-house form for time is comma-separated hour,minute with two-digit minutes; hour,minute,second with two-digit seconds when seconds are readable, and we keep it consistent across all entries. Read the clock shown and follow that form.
1,09
